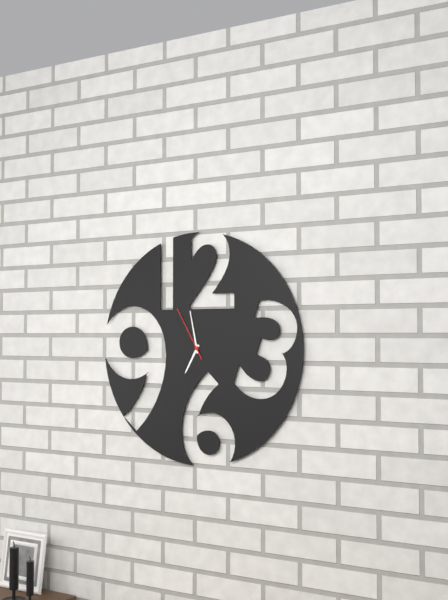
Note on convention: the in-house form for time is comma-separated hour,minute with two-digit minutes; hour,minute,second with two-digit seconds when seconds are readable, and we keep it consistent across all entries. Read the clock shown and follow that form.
6,58,55
